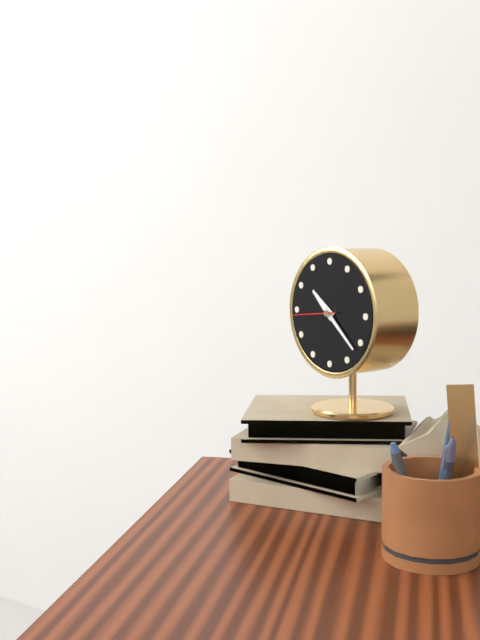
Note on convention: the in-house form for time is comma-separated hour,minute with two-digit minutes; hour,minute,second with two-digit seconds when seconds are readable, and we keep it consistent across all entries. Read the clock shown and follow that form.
10,22
